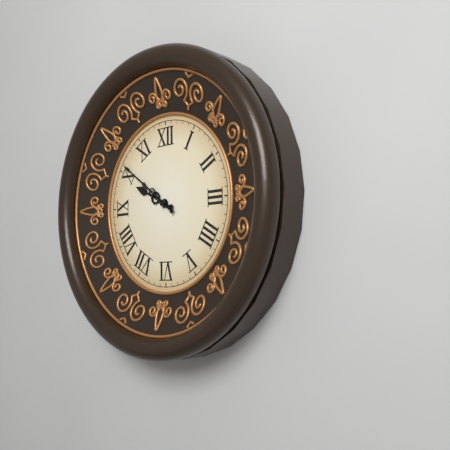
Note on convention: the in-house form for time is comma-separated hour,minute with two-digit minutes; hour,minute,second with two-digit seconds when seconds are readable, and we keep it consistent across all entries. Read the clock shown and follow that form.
9,51
